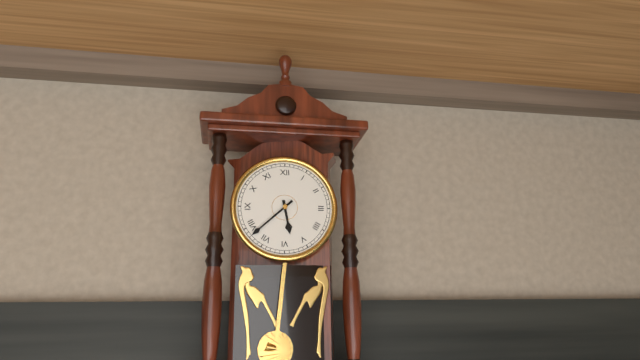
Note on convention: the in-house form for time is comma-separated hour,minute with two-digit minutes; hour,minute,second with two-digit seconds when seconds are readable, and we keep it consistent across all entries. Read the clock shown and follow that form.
5,38
